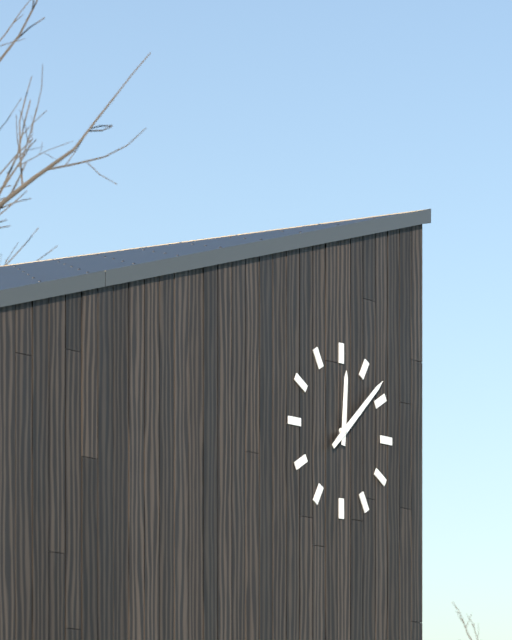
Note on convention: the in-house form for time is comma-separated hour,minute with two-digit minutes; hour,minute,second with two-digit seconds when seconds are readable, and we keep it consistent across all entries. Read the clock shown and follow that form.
12,08
